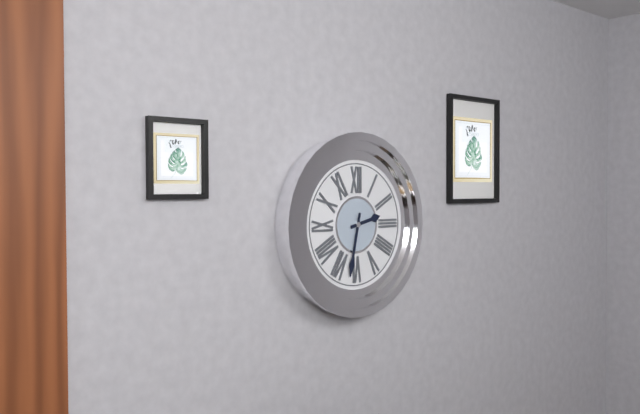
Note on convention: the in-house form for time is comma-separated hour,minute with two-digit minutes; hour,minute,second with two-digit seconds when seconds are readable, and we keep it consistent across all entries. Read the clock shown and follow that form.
2,32
